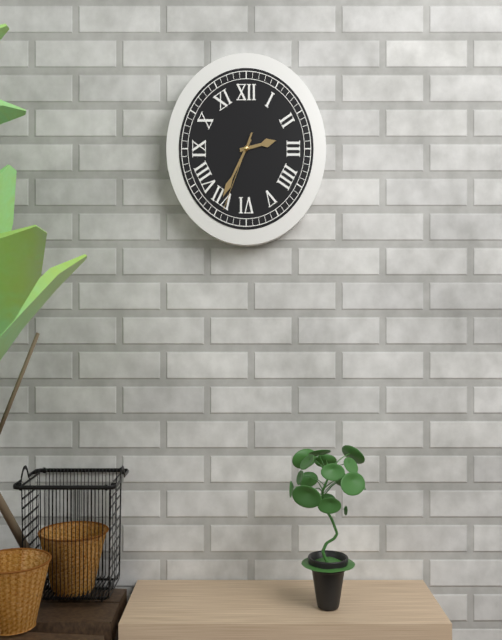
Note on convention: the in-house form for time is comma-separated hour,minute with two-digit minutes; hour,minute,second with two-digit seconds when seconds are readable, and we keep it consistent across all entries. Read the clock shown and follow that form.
2,35,34
